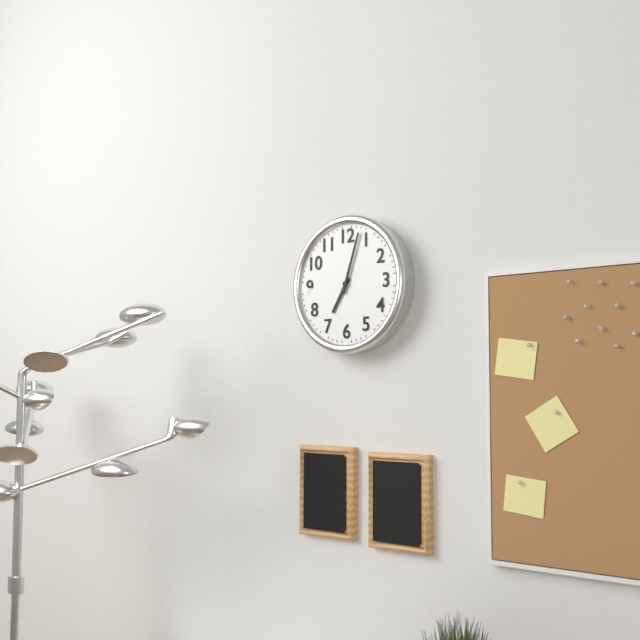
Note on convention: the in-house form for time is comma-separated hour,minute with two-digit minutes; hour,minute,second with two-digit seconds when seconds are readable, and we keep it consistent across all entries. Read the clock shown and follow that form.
7,03
